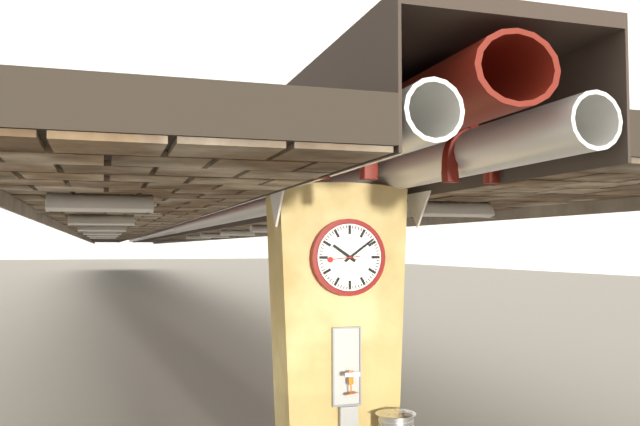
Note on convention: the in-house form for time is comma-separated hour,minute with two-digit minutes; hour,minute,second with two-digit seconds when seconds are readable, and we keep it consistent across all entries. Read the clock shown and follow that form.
10,09
